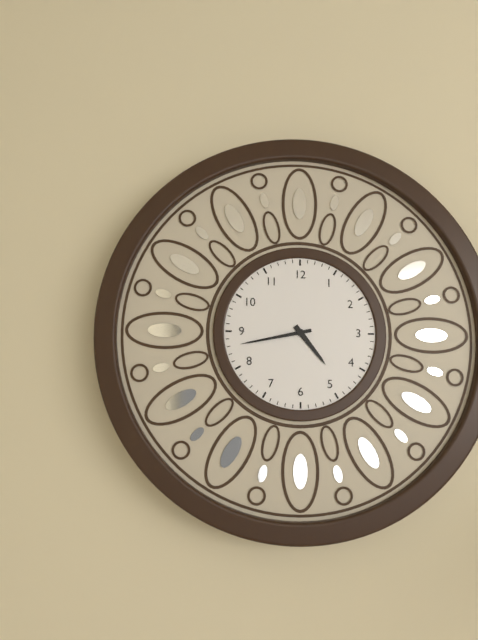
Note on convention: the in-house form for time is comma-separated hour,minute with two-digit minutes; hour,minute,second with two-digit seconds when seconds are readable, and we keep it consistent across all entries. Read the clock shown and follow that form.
4,43
